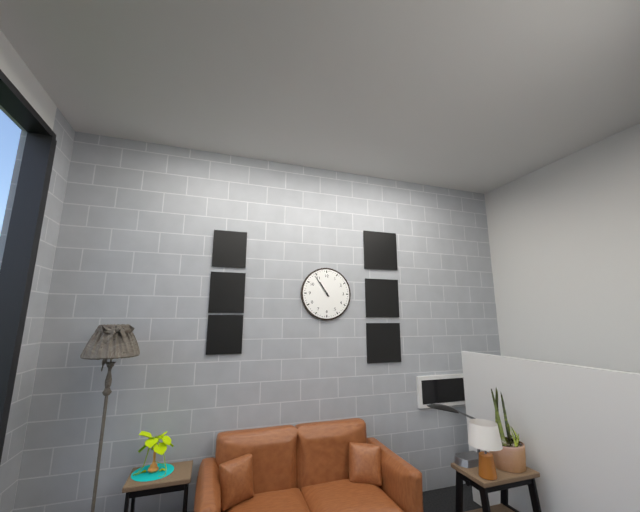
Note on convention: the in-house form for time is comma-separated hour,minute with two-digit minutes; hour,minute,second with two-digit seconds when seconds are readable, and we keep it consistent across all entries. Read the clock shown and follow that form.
10,54
